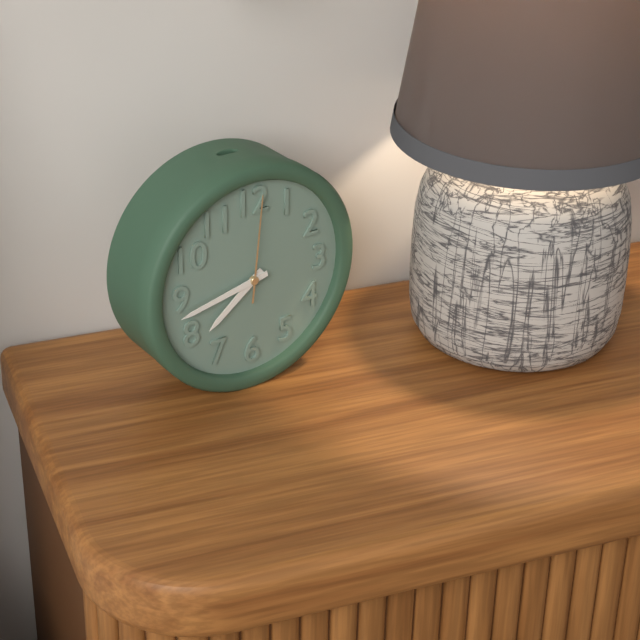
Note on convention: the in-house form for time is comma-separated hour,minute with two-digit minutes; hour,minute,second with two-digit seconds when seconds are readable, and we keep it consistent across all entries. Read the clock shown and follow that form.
7,43,01
